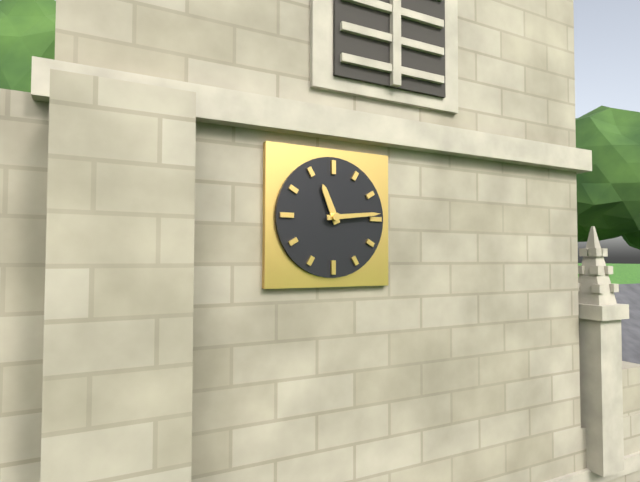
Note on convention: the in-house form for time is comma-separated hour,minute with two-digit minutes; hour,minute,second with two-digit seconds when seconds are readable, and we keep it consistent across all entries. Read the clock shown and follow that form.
11,14
